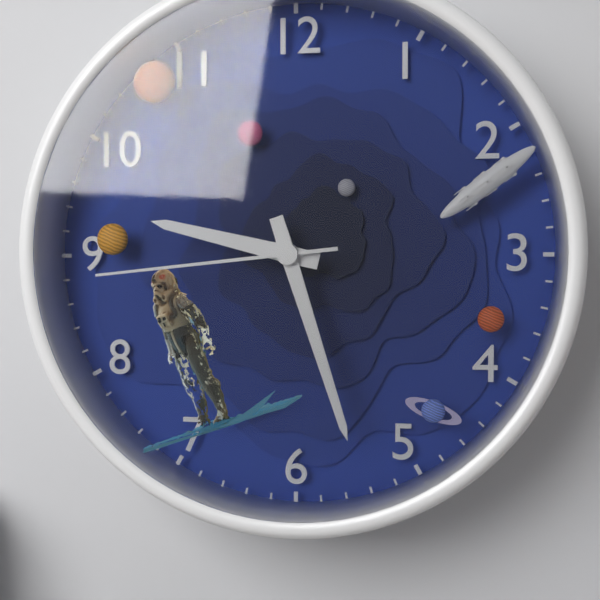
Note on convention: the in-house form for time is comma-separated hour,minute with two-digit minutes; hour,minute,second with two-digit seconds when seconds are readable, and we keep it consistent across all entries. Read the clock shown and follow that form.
9,27,44
